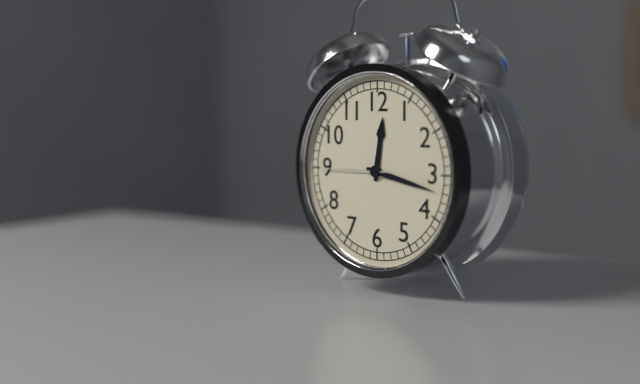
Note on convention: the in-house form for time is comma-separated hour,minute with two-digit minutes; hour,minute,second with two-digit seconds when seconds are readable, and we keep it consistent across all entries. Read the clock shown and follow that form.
12,17,45
